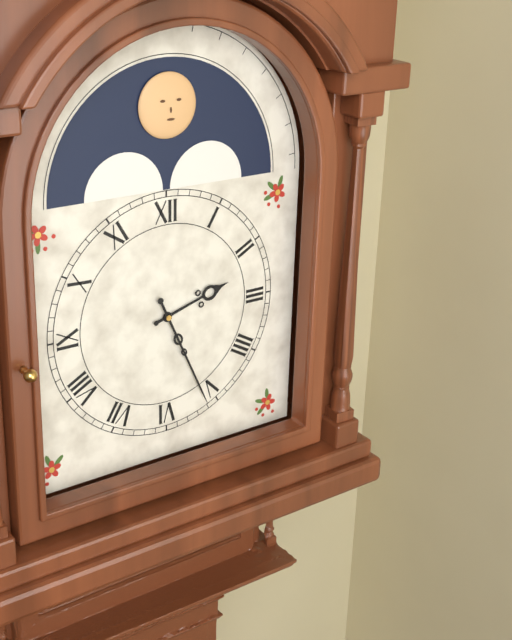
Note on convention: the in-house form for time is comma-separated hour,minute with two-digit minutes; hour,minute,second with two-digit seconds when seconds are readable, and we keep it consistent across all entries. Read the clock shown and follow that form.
2,26
